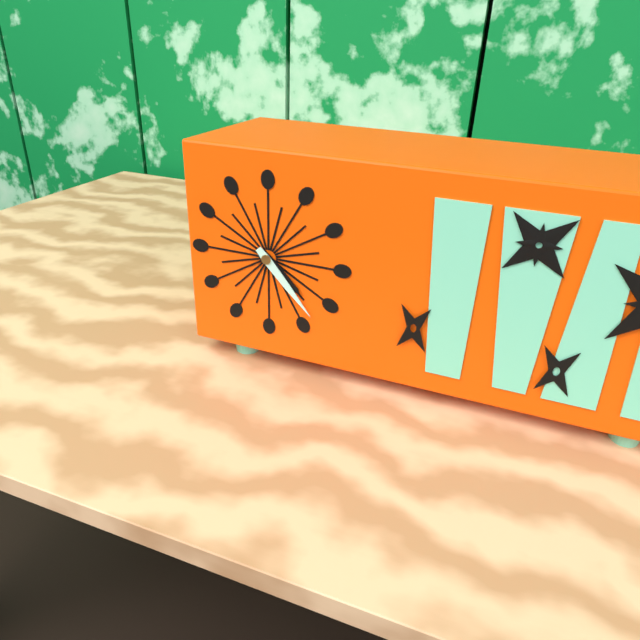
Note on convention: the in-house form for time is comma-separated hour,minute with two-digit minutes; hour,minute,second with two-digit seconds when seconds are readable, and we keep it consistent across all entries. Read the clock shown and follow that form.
4,23
